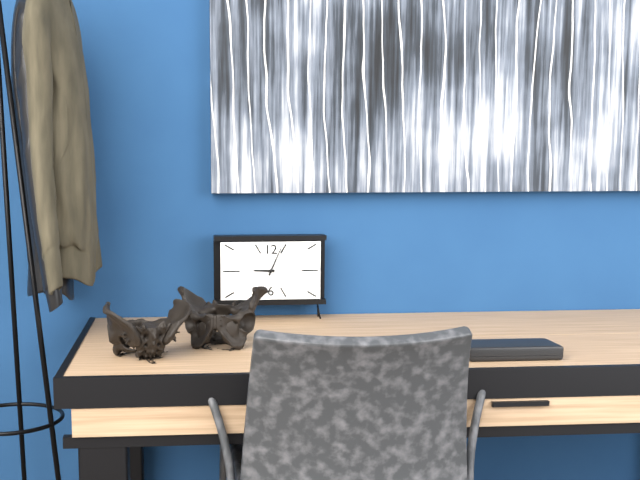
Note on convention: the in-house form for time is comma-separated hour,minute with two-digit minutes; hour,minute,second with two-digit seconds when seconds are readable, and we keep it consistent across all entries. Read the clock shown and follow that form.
9,04
